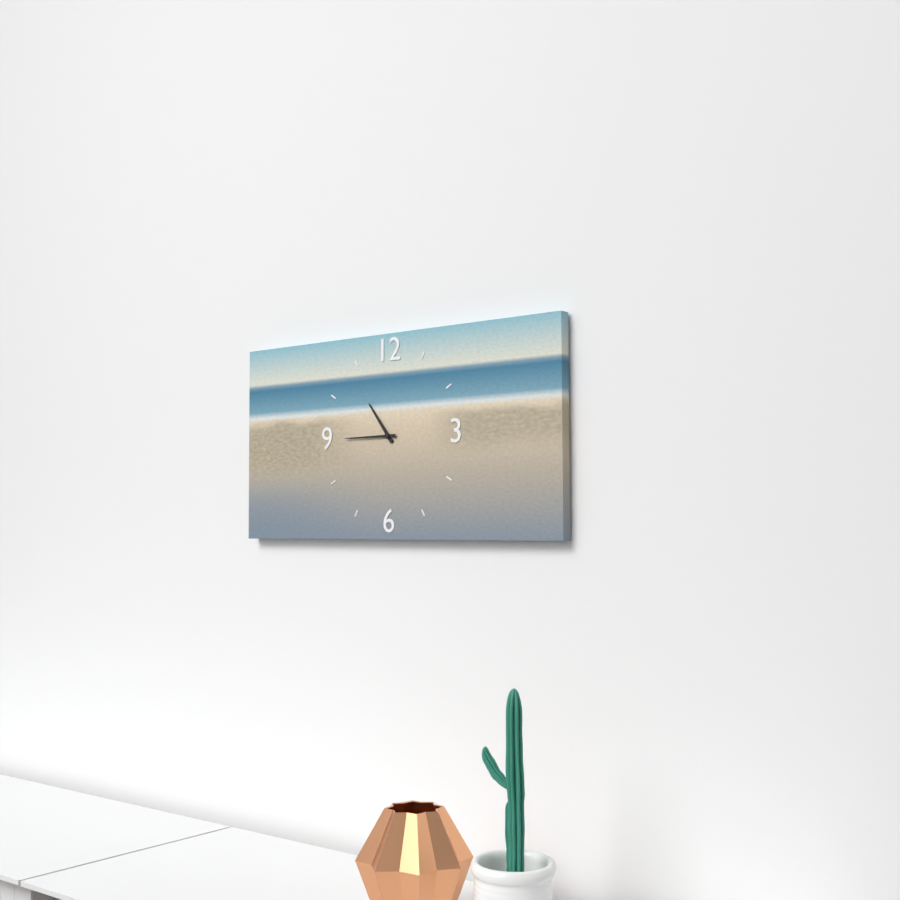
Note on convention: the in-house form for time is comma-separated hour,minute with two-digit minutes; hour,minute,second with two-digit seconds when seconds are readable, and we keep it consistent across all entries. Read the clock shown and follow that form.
10,45
